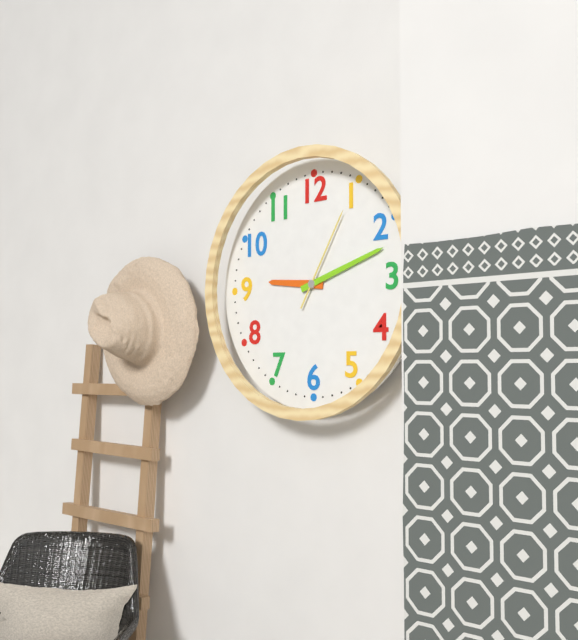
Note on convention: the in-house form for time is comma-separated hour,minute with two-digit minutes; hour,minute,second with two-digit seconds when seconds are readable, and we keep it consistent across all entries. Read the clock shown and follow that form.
9,12,05
